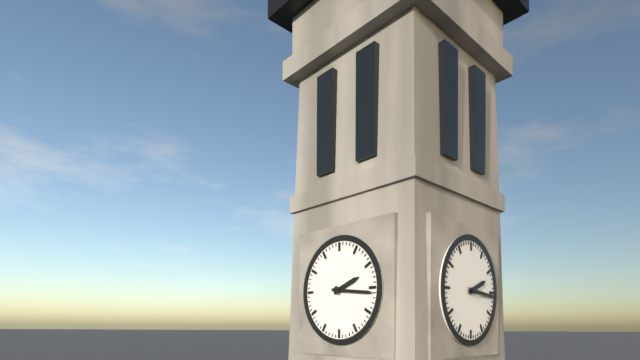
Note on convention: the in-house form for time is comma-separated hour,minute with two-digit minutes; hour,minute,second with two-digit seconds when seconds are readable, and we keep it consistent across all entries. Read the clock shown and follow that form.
2,16
